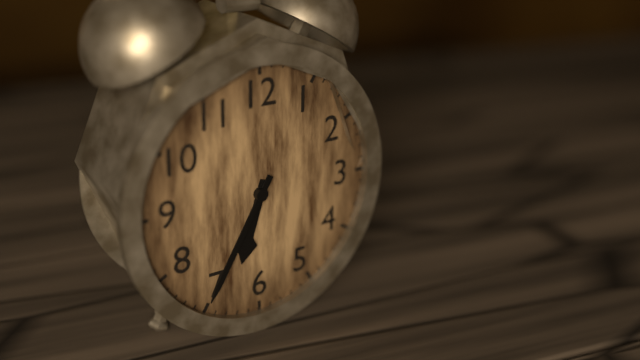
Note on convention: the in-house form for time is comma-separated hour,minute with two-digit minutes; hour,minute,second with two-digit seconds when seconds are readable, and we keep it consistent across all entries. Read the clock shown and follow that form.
6,35
